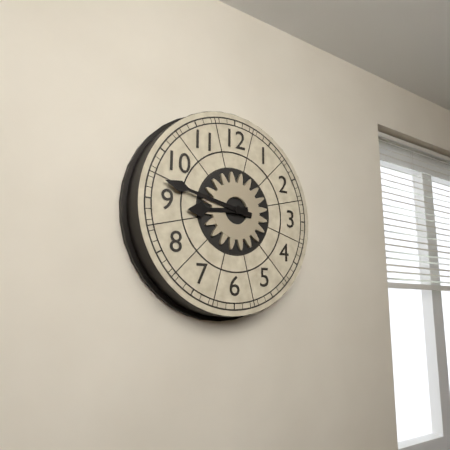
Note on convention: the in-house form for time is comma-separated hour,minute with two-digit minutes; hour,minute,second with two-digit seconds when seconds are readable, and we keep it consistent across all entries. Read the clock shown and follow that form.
8,47
